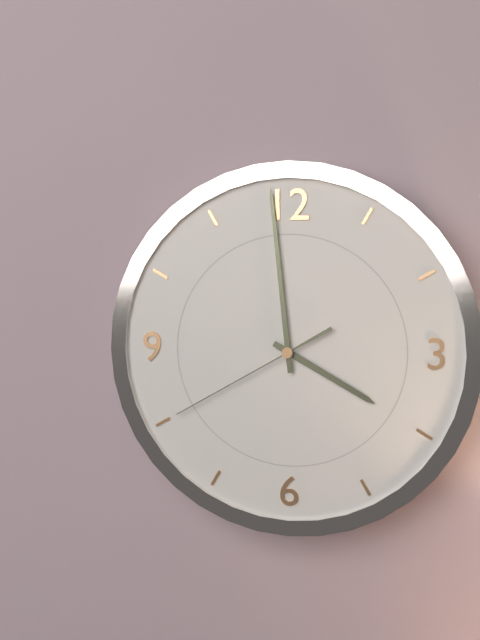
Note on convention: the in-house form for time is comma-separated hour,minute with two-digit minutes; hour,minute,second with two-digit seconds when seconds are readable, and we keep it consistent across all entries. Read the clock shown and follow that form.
3,59,40
